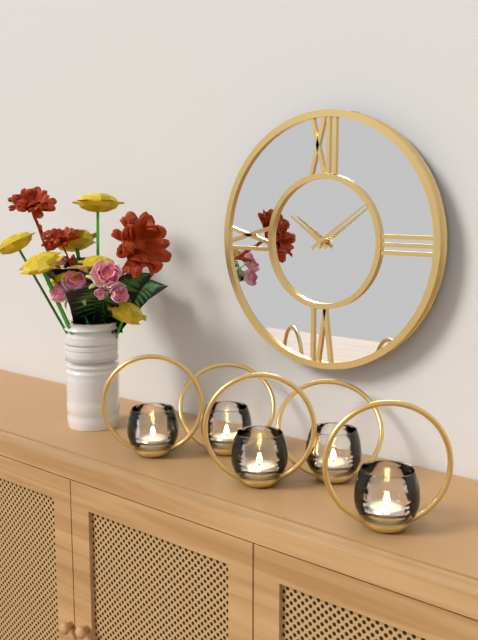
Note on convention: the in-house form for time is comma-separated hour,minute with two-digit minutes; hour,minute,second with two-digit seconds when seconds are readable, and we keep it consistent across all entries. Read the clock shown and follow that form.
10,09
